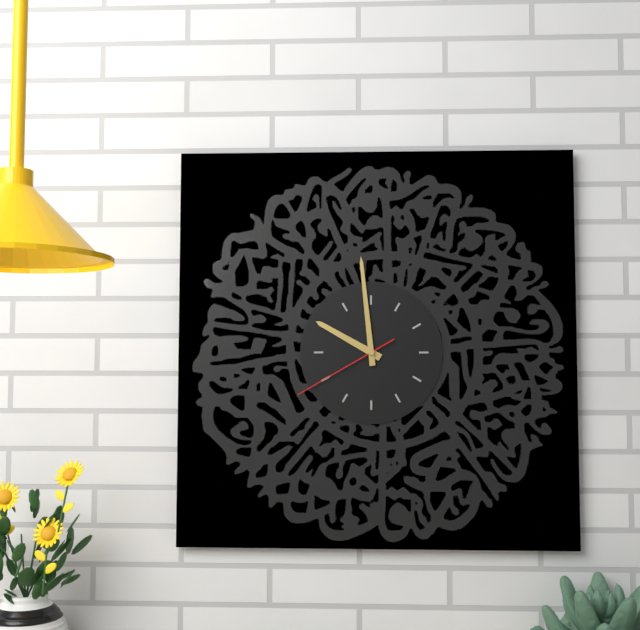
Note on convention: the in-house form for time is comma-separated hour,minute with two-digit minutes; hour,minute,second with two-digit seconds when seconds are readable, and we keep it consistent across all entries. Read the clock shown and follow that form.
9,59,40
